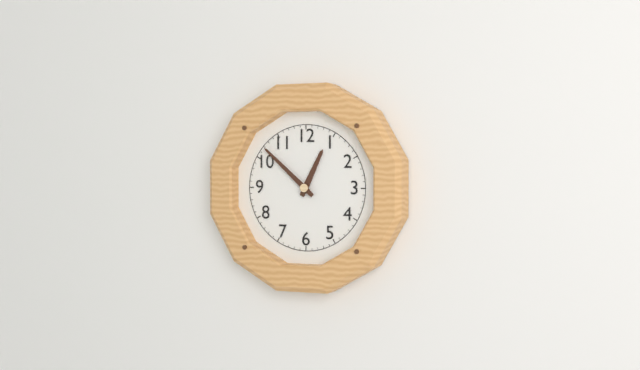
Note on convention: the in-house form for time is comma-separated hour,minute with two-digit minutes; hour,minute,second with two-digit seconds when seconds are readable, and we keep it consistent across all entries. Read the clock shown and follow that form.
12,52
